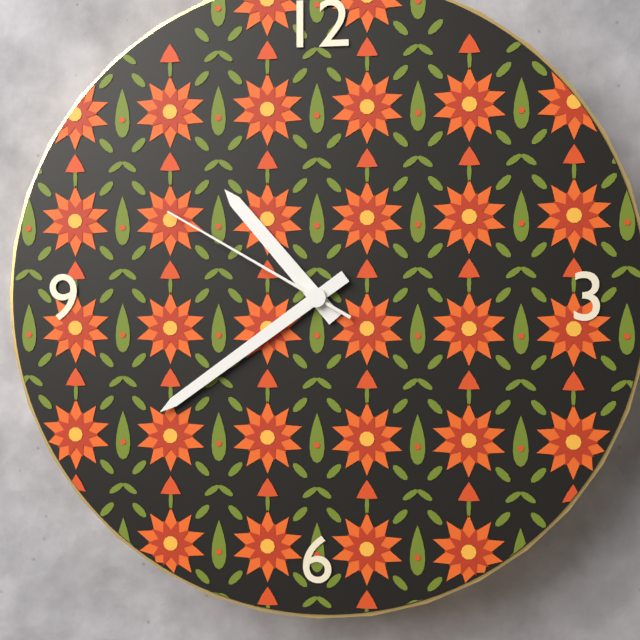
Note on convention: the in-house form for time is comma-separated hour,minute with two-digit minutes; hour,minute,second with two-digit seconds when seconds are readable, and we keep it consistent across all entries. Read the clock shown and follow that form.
10,39,50
